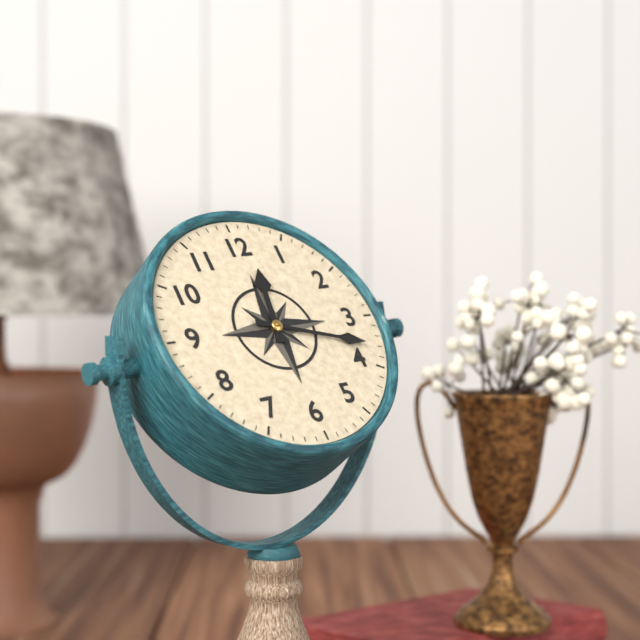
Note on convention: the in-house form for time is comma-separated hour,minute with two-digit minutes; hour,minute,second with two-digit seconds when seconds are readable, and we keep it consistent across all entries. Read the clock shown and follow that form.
12,18
